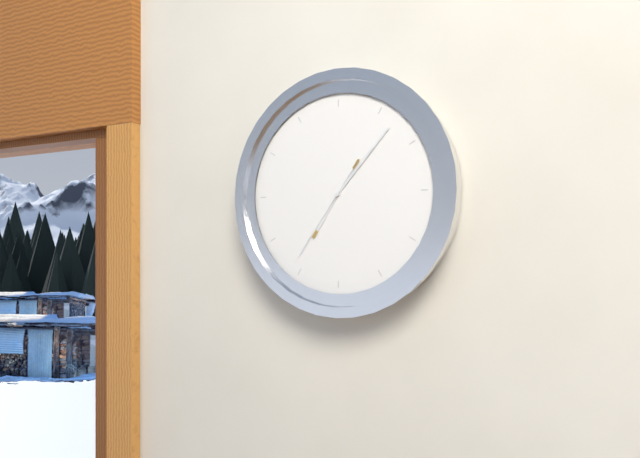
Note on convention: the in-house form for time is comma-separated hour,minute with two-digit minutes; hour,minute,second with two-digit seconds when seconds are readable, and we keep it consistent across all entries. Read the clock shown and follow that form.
7,07,36
